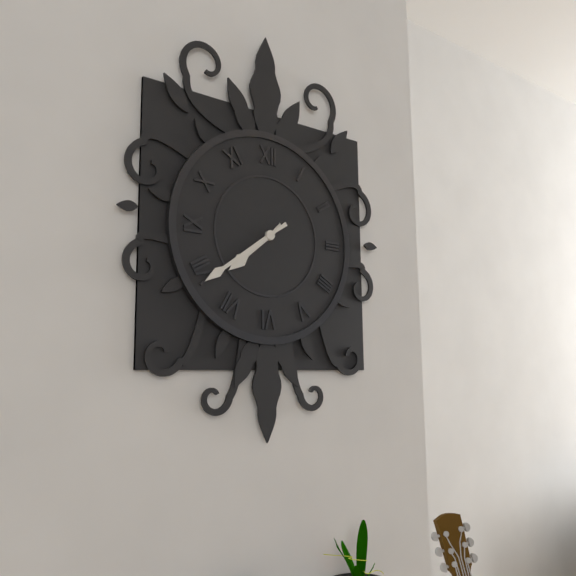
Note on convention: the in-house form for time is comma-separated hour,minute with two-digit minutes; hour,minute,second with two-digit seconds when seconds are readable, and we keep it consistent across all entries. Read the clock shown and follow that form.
7,39
